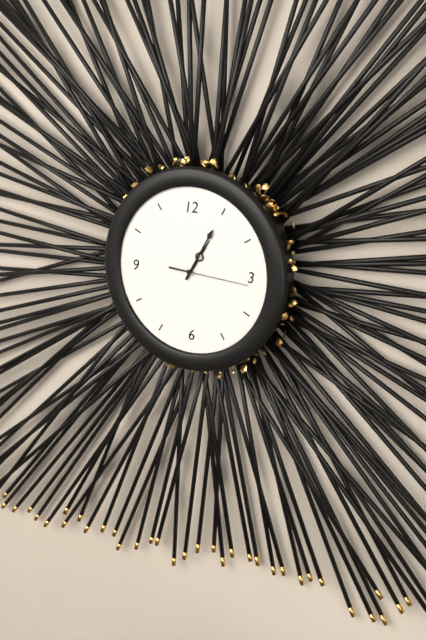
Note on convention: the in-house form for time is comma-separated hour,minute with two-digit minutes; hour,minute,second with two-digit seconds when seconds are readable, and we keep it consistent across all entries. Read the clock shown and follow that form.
1,05,16
